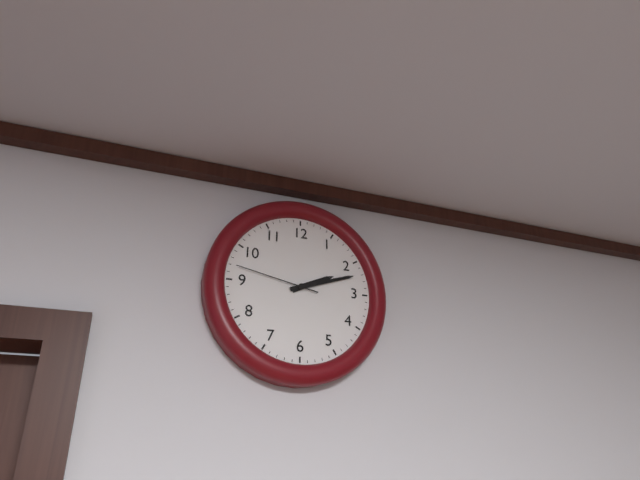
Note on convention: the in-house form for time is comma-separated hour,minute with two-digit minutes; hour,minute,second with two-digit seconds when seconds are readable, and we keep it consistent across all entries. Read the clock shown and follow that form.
2,12,47
